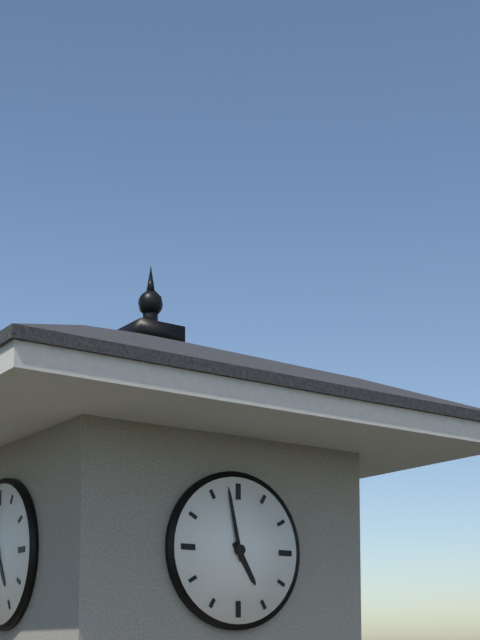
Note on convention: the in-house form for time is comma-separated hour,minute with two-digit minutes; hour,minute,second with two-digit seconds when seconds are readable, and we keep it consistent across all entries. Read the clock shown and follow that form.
4,58
